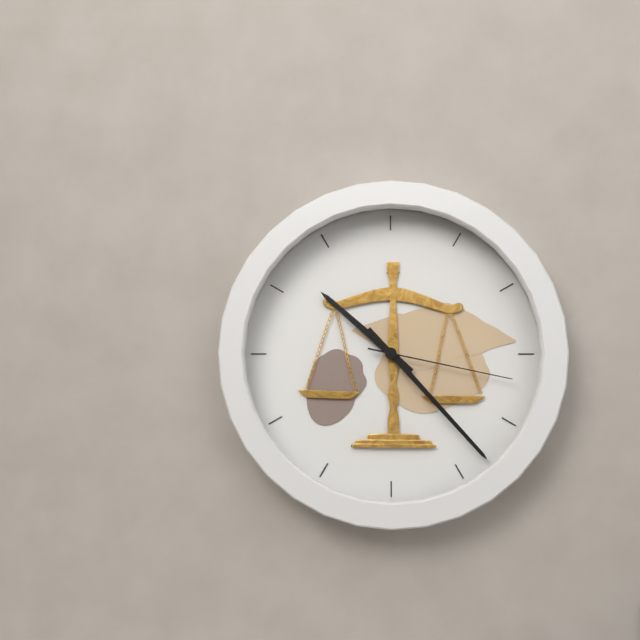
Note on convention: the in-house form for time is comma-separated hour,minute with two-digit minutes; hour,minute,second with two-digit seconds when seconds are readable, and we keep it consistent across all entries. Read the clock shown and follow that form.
10,23,17
